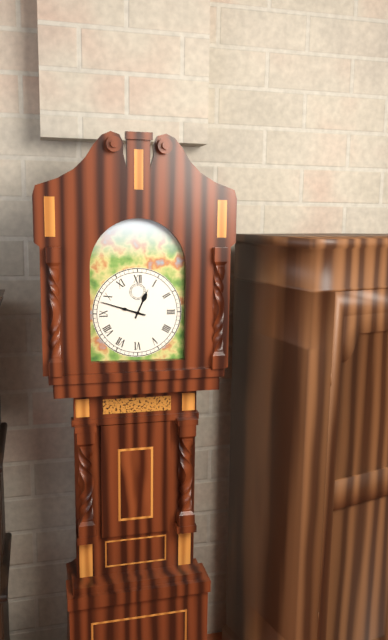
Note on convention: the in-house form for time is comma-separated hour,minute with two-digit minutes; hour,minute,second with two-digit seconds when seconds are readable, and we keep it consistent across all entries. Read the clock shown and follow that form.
12,48
